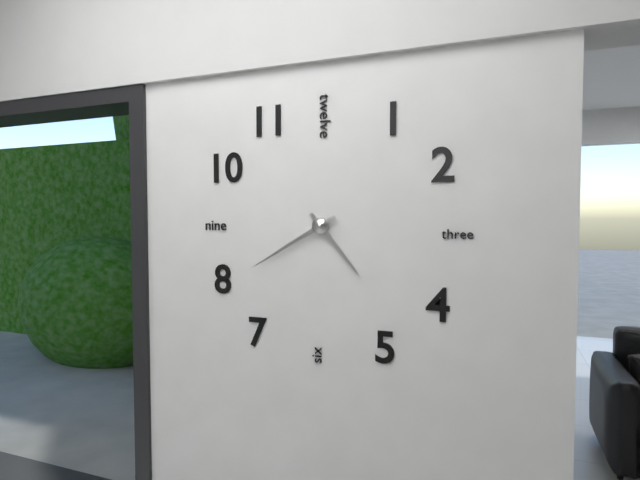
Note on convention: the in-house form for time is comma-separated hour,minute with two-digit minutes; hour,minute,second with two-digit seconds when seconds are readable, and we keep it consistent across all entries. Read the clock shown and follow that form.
4,40
